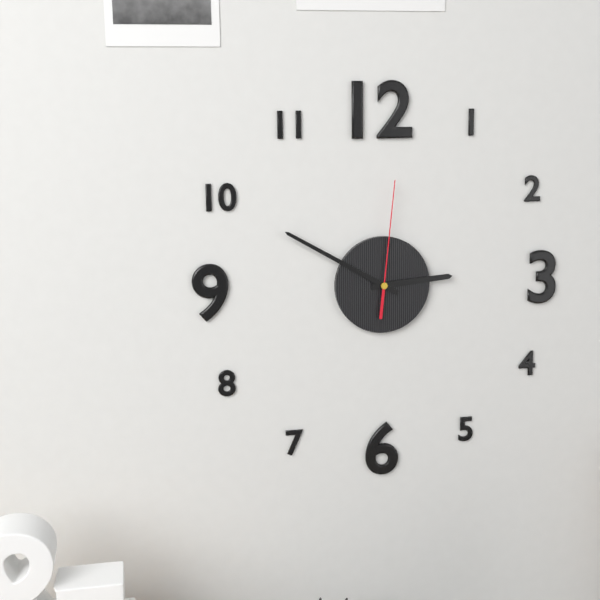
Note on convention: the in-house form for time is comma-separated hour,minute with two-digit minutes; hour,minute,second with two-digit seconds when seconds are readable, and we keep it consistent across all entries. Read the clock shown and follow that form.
2,50,01
